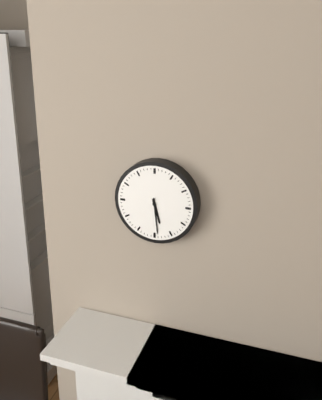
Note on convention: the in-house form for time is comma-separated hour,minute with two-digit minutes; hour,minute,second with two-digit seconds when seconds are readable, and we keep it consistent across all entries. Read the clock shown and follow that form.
5,29
